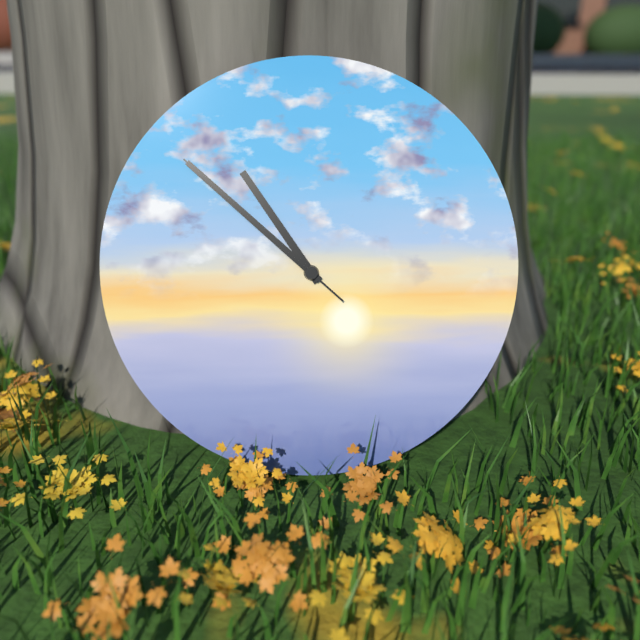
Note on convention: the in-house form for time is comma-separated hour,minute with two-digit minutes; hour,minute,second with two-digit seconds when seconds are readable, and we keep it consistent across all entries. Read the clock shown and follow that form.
10,52,52
